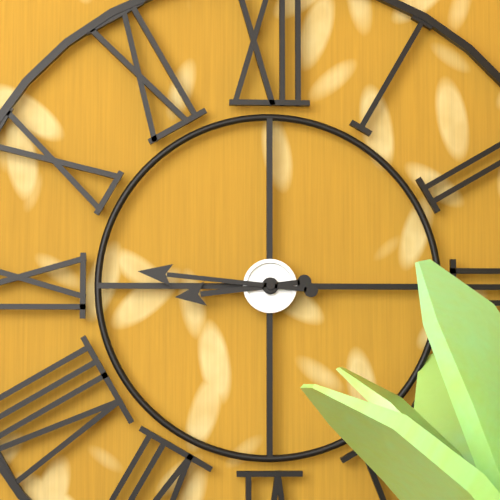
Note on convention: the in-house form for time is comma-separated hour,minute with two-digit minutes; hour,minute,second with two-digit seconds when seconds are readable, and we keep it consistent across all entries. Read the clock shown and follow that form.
8,46
